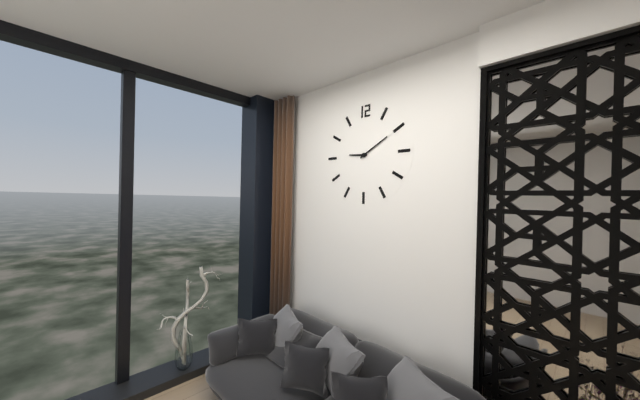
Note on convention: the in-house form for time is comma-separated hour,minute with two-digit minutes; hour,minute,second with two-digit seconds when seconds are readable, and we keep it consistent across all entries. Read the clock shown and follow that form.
9,10
